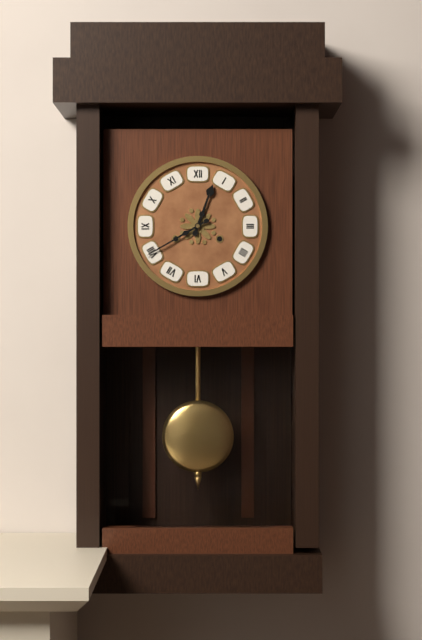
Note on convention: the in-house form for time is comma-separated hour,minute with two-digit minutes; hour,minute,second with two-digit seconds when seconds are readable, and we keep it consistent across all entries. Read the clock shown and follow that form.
12,40
